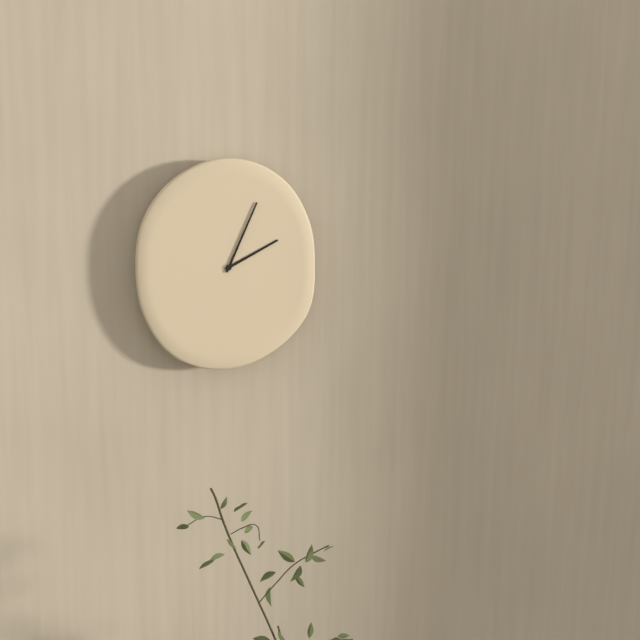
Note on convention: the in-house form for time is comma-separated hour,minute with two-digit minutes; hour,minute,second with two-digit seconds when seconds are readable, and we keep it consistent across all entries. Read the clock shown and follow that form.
2,04
